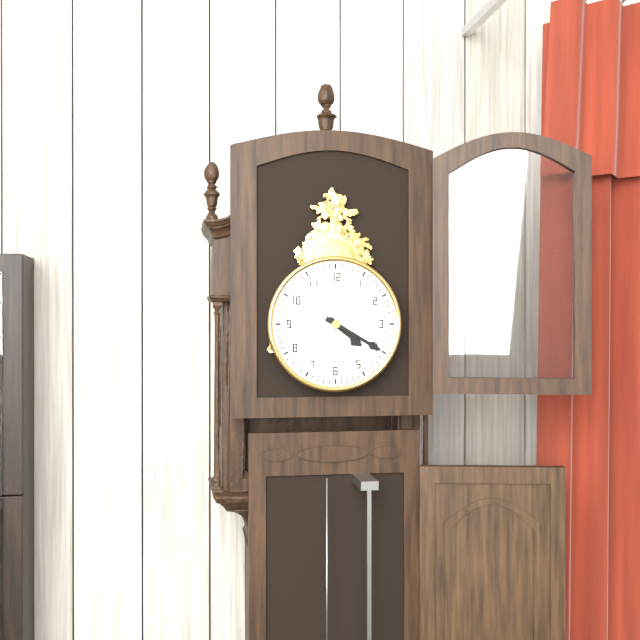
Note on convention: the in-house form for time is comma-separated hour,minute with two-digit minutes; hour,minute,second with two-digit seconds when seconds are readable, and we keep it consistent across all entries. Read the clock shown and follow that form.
4,20
